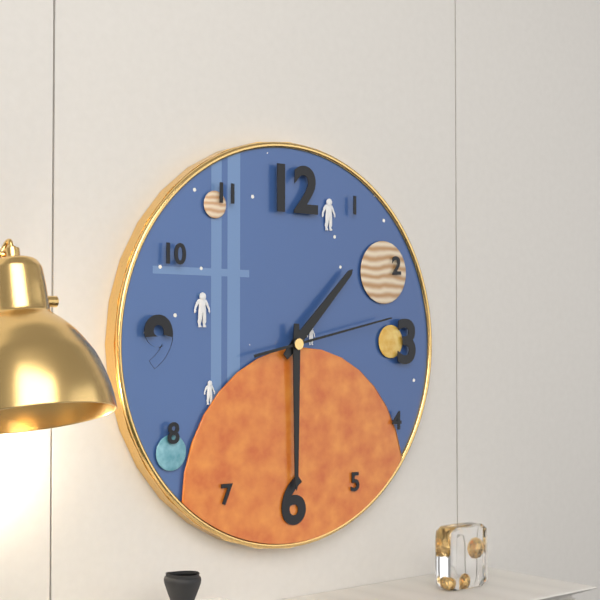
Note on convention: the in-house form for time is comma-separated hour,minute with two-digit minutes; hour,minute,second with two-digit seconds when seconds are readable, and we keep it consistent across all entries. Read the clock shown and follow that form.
1,30,13
